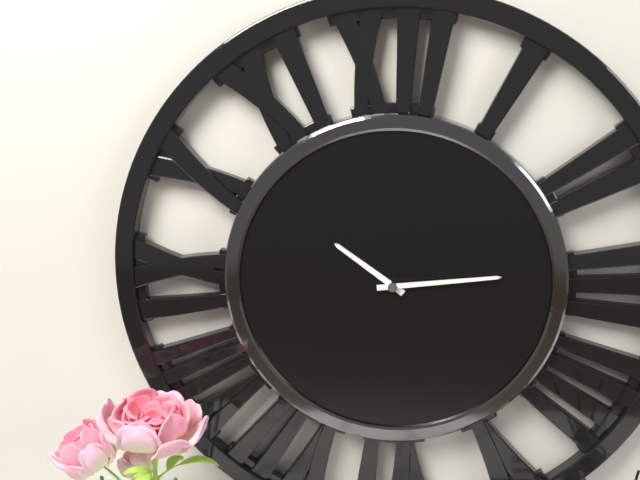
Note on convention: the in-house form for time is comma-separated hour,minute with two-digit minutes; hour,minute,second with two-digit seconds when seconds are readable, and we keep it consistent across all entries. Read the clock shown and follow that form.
10,14
